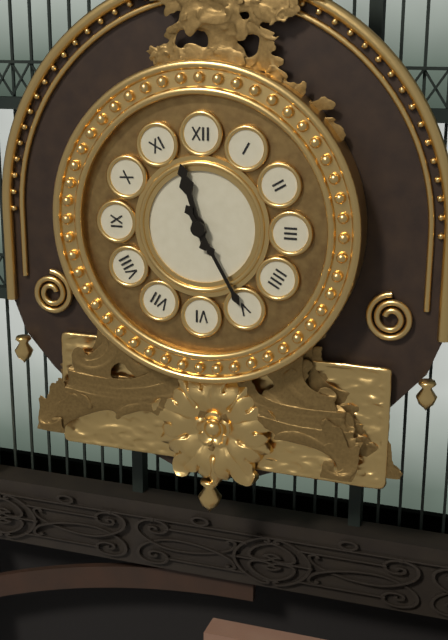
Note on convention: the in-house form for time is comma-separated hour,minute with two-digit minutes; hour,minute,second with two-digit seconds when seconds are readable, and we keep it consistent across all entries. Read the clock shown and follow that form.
11,25
